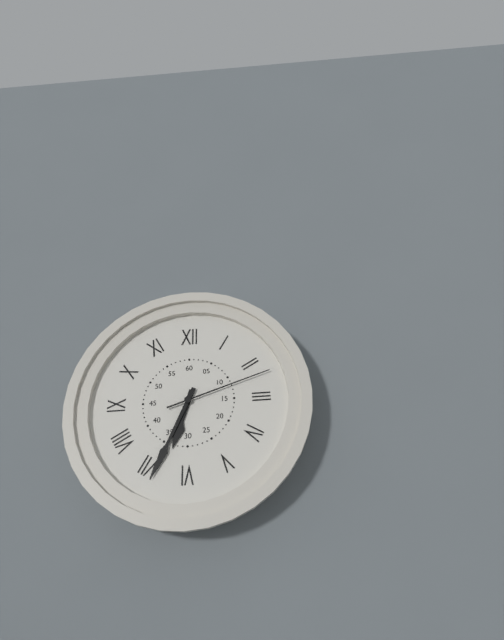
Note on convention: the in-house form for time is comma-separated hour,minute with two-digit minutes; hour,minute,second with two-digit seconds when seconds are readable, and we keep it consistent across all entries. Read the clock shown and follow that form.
6,34,12
